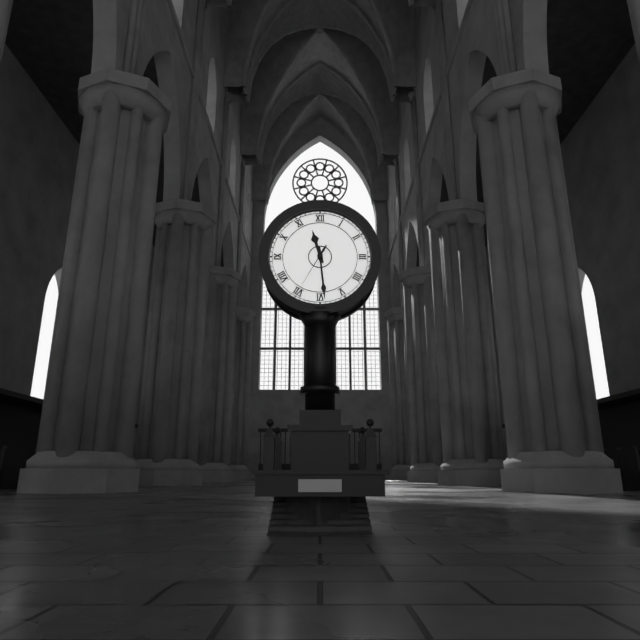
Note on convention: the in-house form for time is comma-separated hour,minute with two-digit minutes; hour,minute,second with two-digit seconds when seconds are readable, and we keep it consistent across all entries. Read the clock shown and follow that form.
11,29,35
